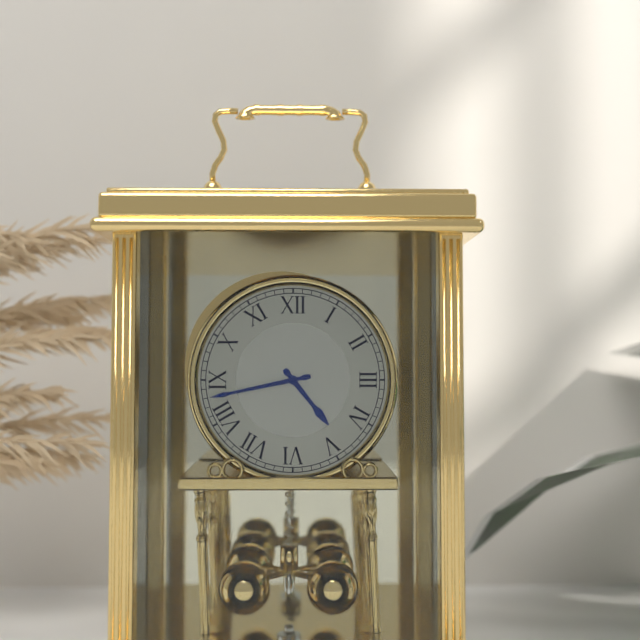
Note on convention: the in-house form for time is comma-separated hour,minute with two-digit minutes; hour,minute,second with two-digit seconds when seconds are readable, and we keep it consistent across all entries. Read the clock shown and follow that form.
4,43
